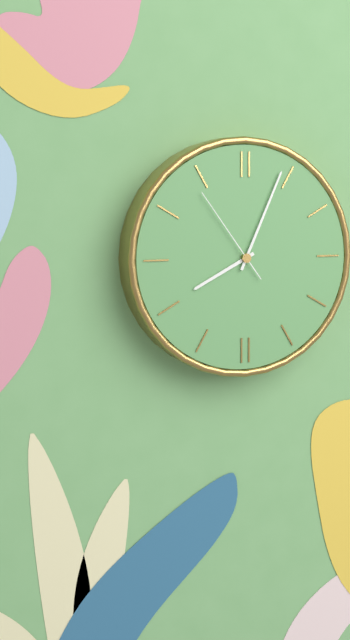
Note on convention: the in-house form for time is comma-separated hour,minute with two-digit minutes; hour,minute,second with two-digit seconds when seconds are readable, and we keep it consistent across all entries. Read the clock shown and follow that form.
8,04,54
